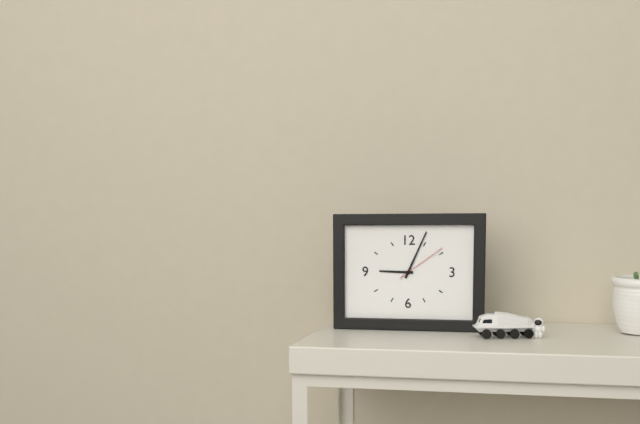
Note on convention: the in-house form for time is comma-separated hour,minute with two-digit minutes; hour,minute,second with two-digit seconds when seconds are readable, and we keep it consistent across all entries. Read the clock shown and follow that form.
9,04,09
